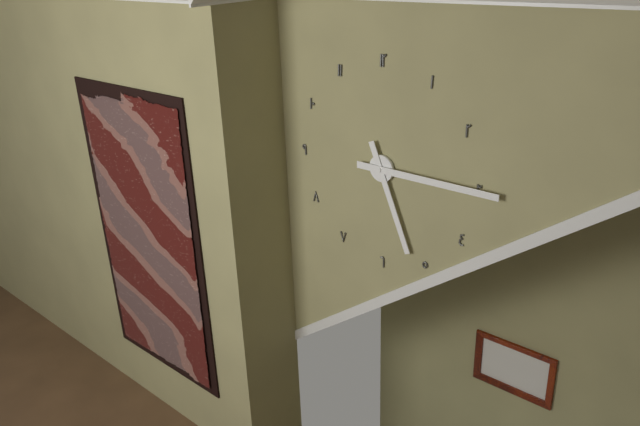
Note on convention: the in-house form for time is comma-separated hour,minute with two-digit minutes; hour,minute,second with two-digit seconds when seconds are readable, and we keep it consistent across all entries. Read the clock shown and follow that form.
5,15
